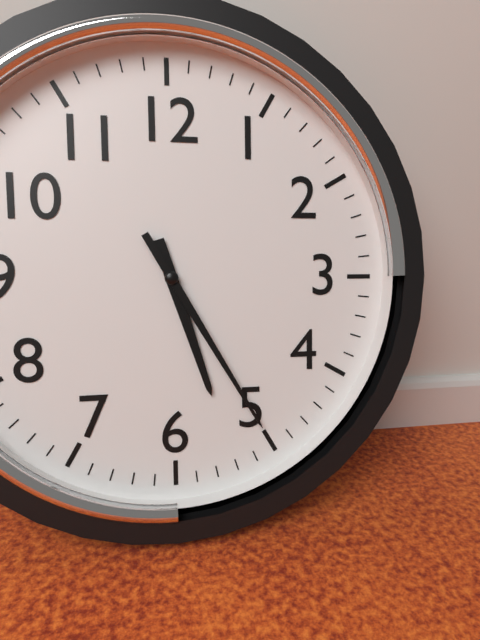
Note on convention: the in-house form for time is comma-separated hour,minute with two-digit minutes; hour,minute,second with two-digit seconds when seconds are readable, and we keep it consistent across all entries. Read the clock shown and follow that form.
5,25
